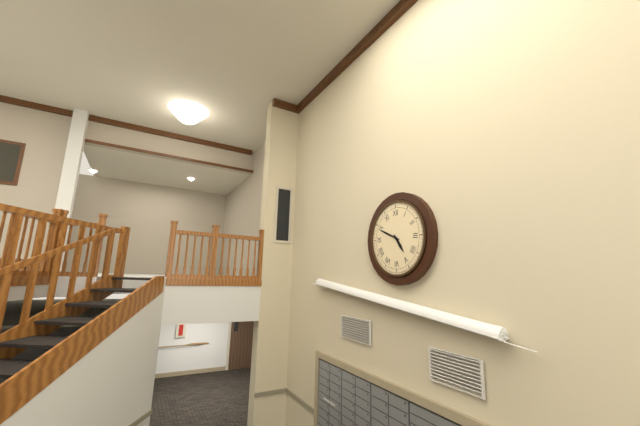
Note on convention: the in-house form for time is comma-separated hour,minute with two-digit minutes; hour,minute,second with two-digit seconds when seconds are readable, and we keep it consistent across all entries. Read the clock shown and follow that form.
4,49
